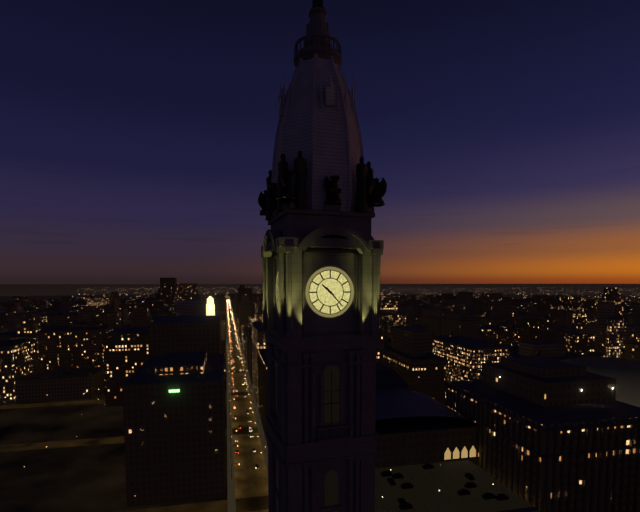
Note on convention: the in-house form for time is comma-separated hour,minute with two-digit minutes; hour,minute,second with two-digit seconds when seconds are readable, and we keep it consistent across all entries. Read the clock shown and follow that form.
10,23
